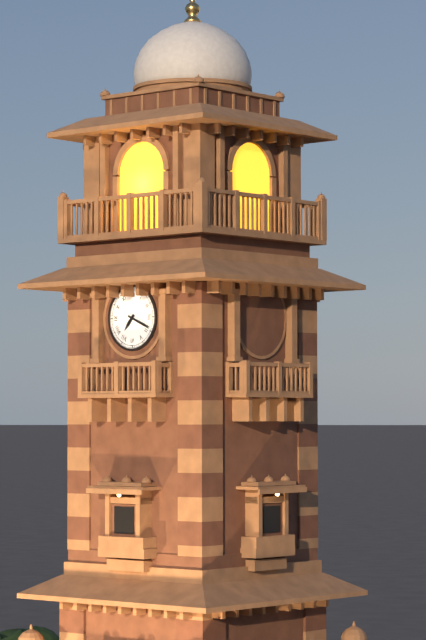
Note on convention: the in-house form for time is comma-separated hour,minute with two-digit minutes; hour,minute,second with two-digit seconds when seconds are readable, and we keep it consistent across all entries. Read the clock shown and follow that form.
7,19
